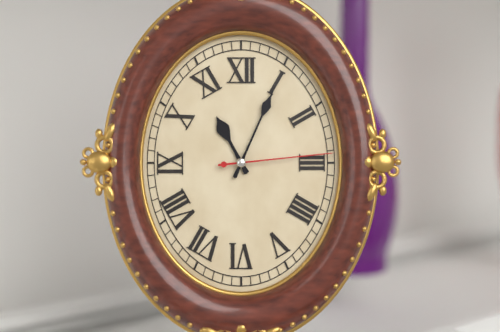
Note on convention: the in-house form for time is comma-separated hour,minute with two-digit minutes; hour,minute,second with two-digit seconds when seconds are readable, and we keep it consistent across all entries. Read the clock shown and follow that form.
11,04,14
